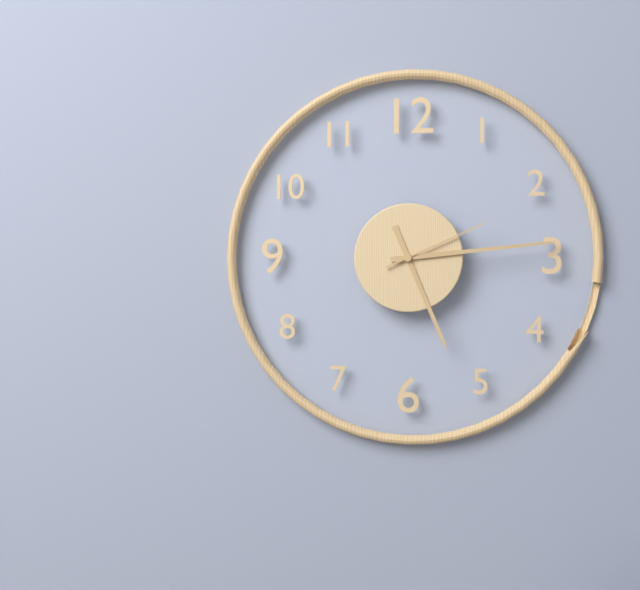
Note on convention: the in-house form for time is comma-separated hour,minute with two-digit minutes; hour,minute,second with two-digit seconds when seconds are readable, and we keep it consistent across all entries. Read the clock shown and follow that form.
5,14,11
